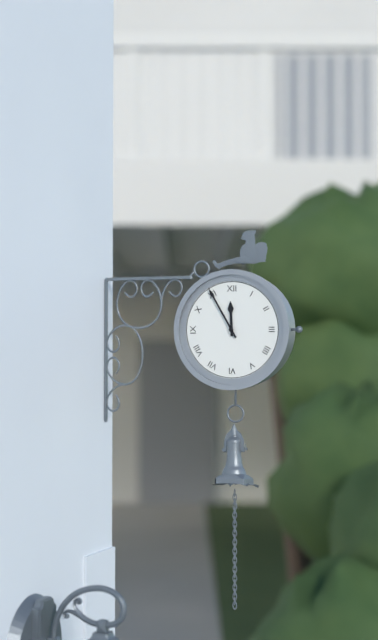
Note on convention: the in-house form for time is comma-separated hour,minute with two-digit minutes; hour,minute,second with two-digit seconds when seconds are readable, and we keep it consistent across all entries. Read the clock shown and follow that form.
11,55
